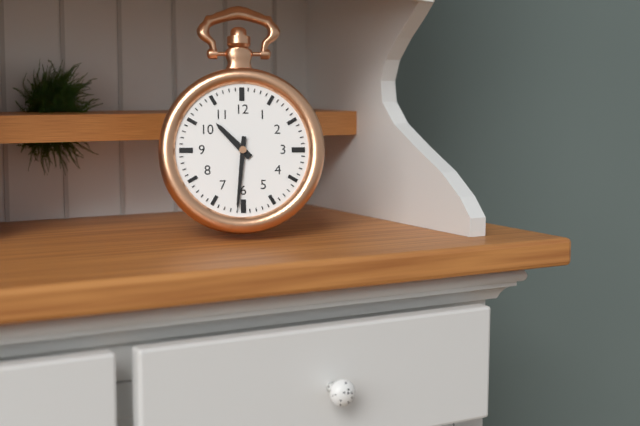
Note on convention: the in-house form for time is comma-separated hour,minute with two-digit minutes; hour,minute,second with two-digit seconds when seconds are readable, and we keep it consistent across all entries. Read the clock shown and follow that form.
10,31
